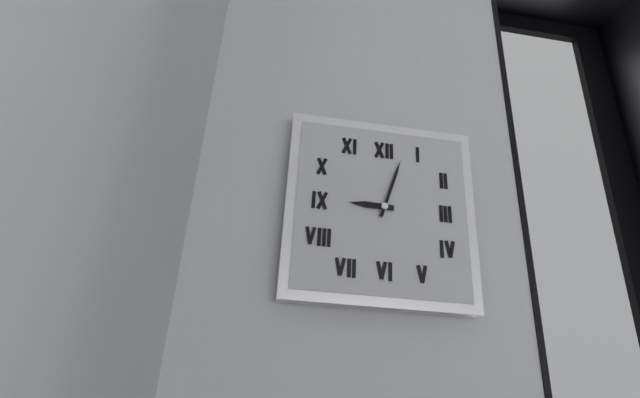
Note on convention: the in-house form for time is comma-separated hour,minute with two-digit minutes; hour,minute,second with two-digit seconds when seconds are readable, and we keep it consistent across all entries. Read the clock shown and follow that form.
9,03
